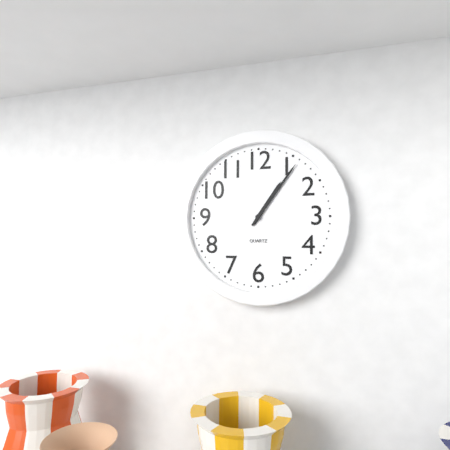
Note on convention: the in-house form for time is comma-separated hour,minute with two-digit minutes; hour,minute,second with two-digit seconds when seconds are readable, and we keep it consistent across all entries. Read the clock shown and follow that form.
1,06
